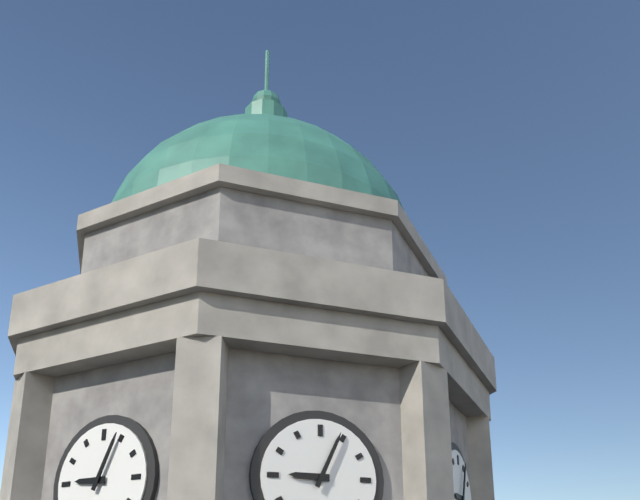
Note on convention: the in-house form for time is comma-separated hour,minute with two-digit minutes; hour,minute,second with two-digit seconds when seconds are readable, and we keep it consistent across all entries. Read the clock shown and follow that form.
9,04
